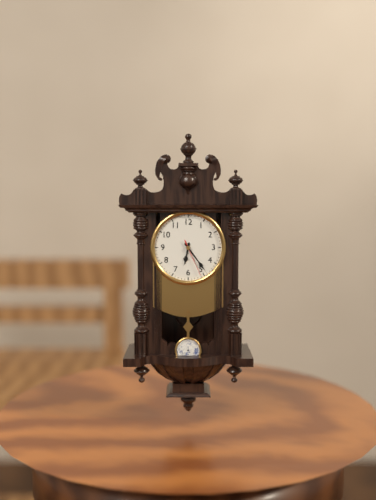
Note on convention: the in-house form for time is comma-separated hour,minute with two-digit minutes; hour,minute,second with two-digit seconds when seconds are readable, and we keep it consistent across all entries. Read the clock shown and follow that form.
6,24
